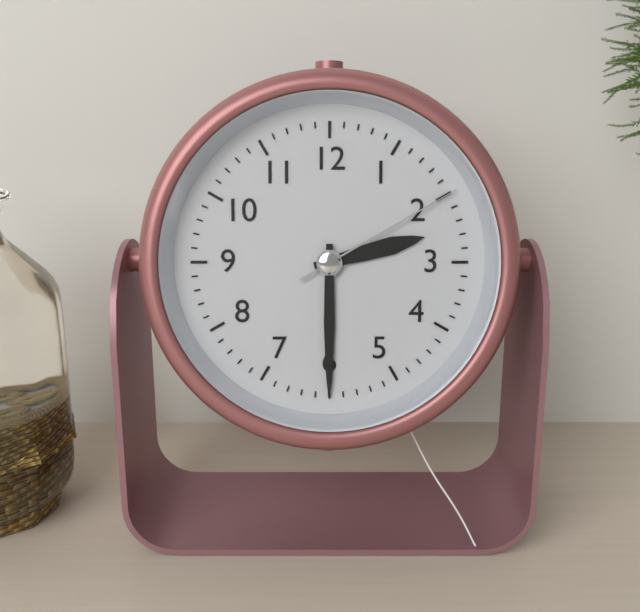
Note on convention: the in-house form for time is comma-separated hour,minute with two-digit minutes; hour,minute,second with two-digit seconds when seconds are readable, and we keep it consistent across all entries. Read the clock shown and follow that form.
2,30,10
